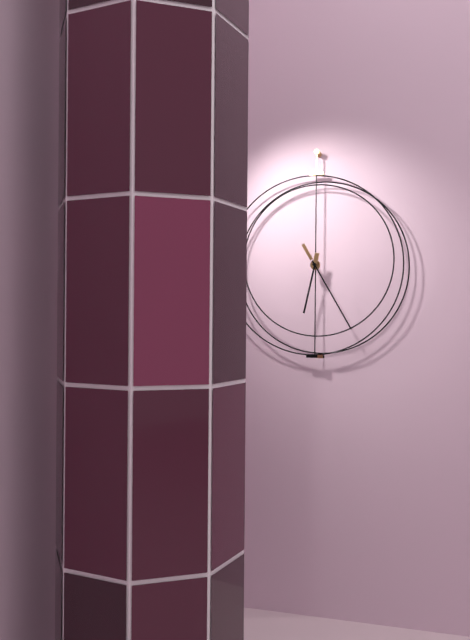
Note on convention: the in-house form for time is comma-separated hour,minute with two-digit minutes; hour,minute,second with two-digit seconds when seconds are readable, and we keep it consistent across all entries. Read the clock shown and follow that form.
6,25
